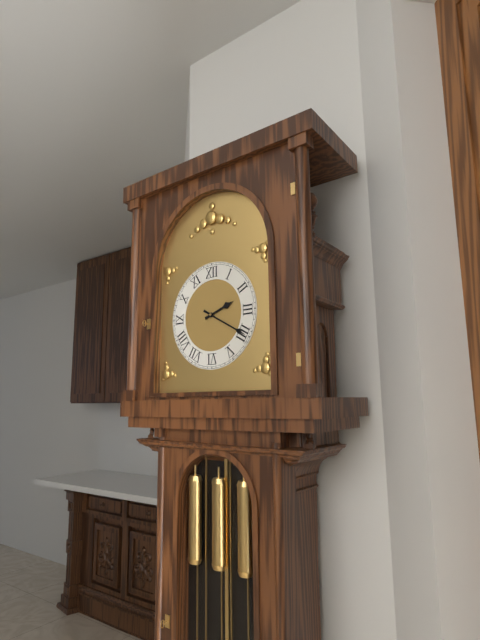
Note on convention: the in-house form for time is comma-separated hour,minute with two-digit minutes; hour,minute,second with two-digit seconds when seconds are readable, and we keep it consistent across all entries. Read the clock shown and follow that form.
2,20
